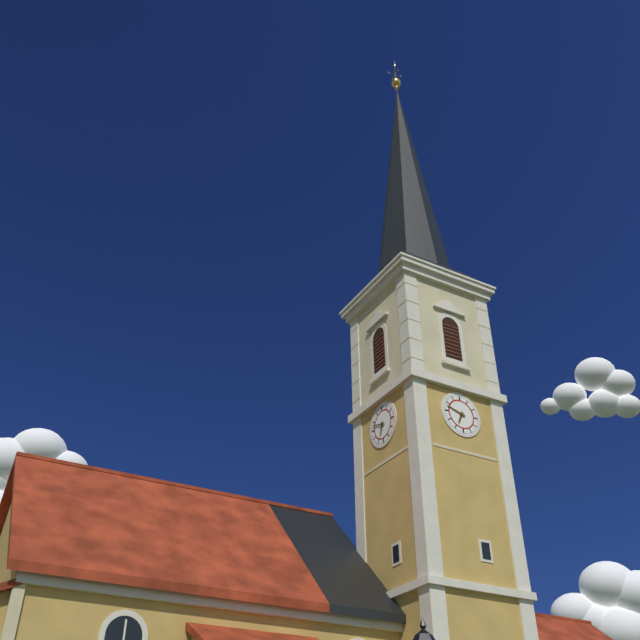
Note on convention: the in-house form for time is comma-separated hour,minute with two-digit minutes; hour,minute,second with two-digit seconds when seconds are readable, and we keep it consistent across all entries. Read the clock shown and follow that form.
6,48
